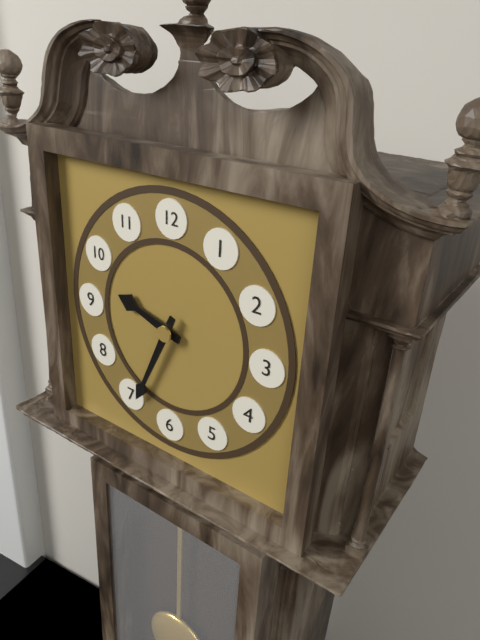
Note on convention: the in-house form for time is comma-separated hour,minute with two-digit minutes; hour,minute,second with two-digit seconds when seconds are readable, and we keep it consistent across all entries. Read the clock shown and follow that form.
9,34
